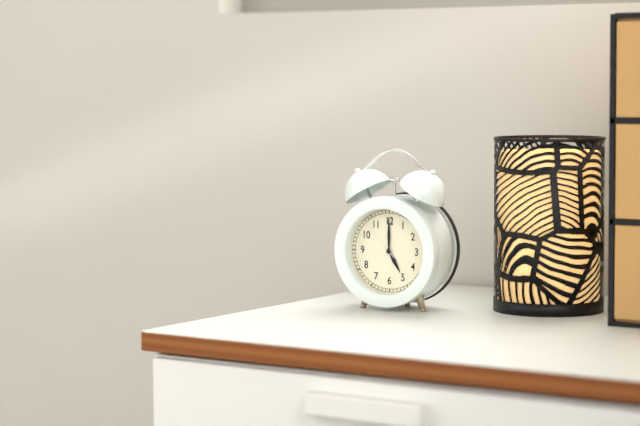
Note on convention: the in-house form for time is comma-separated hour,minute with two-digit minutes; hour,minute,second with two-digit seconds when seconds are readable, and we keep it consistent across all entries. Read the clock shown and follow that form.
5,00
